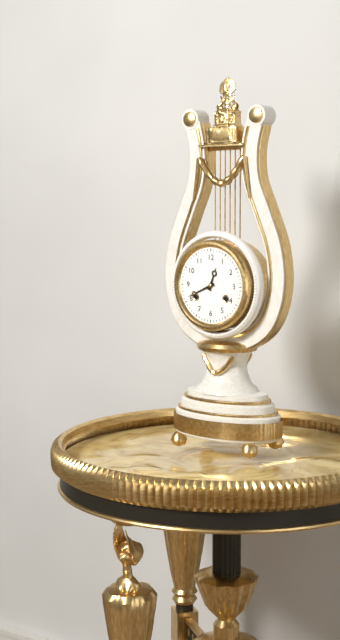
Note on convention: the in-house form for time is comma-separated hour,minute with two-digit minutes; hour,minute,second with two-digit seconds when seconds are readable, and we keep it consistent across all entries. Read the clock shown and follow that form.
12,41
